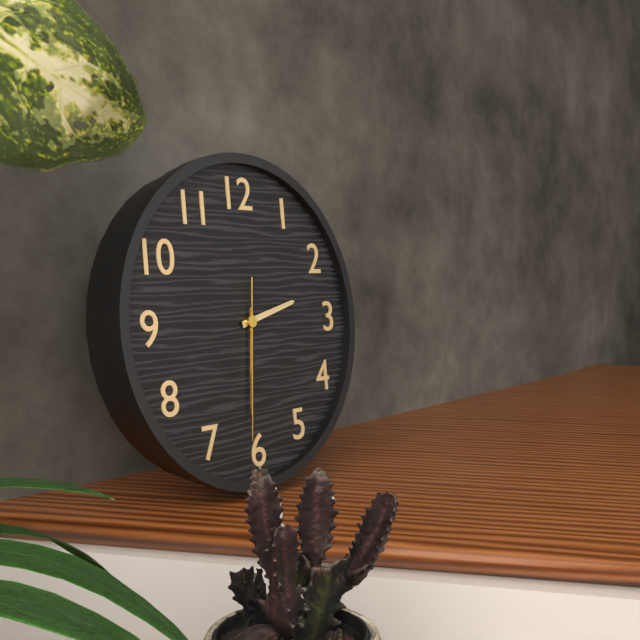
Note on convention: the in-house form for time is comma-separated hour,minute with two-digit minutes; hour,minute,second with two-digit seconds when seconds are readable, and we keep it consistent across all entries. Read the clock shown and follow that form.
2,31,31
